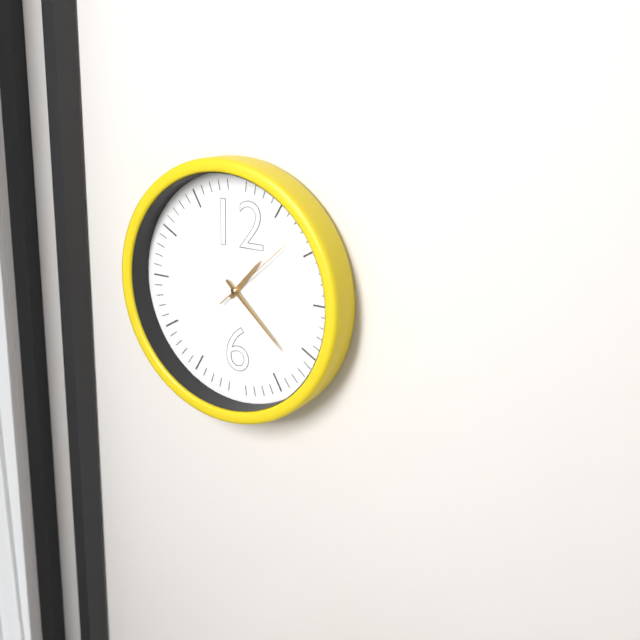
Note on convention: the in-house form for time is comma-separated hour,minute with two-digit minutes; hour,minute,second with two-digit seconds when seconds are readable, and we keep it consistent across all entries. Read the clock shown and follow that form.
1,22,08
